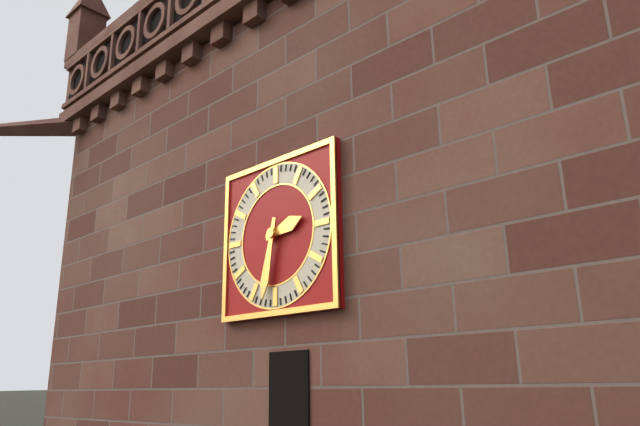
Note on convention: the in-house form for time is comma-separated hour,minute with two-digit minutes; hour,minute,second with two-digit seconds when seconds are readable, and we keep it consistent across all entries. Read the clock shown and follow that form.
2,32
